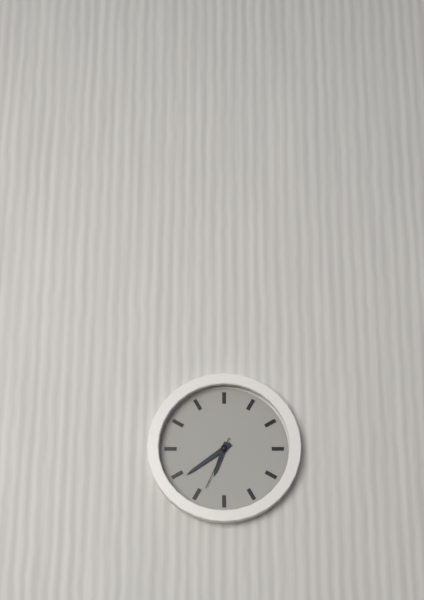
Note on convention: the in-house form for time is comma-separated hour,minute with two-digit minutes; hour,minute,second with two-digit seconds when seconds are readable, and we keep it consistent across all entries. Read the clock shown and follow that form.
6,39,34
